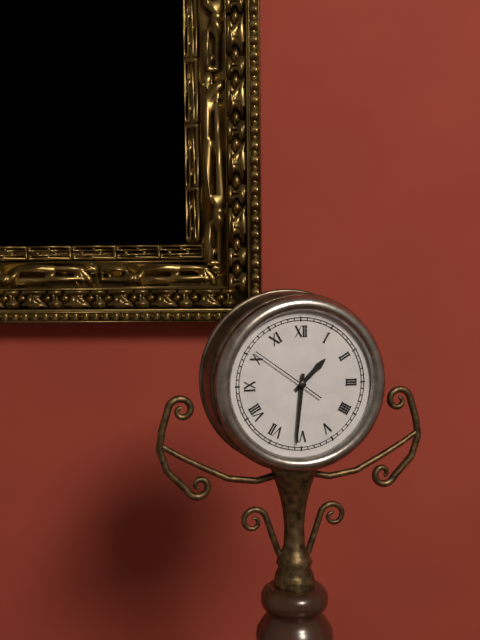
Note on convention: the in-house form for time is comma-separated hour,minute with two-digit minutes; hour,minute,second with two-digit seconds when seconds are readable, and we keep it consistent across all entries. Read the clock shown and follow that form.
1,31,51
